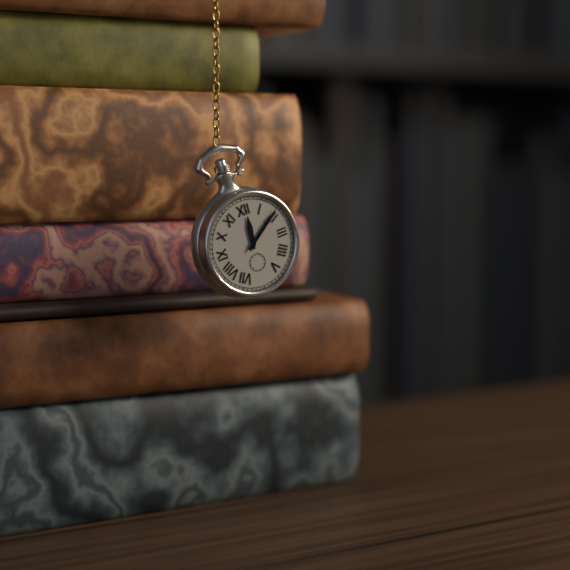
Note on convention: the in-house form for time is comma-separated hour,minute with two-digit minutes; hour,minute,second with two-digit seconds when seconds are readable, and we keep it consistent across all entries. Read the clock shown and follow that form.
12,09
